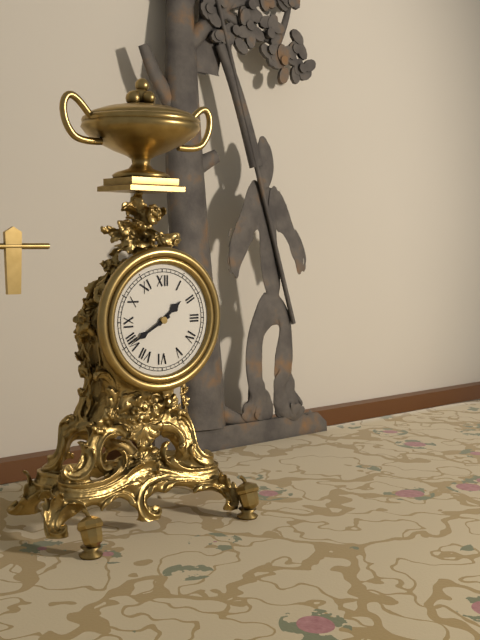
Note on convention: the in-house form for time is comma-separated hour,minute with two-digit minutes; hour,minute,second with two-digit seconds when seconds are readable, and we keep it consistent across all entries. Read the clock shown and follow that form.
1,40
